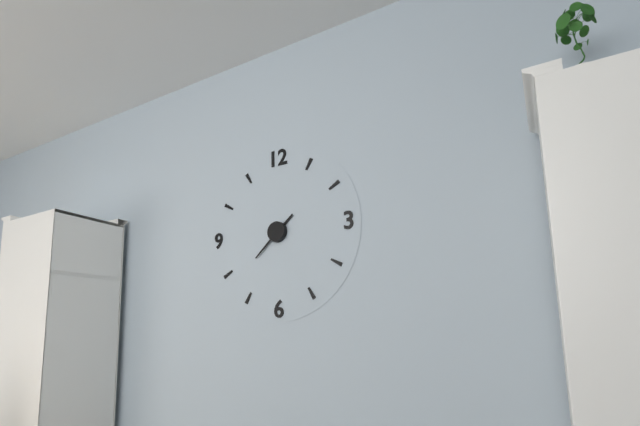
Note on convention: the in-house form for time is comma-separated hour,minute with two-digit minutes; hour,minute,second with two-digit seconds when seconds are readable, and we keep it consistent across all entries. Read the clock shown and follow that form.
1,38
